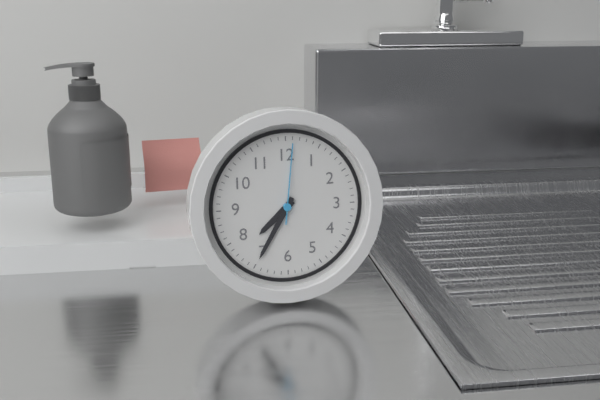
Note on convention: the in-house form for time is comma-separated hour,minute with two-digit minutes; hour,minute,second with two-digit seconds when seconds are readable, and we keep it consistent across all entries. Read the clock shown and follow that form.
7,35,01
